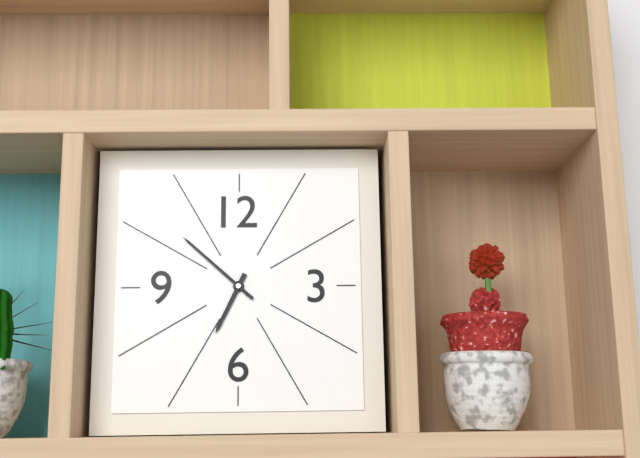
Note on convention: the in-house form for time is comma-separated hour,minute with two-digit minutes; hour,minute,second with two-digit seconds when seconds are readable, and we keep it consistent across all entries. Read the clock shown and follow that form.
6,52
